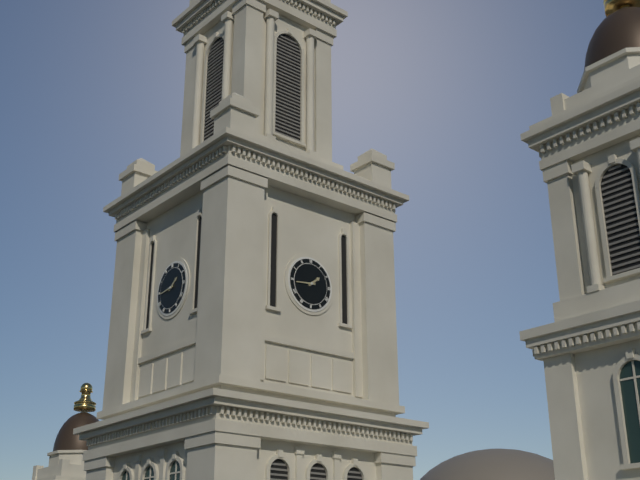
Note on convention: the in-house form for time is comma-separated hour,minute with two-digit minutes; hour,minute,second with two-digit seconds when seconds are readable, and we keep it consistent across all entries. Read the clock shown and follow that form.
1,44
